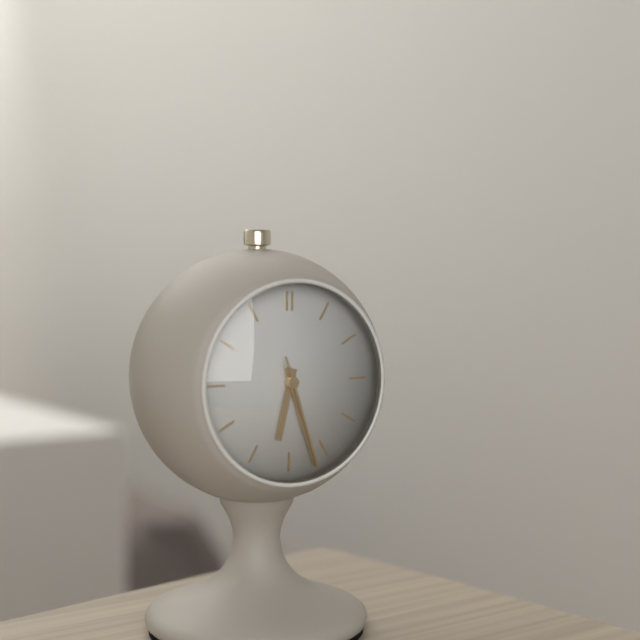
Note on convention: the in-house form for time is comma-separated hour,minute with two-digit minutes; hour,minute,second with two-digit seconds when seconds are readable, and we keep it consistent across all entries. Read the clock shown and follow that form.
6,27,27
